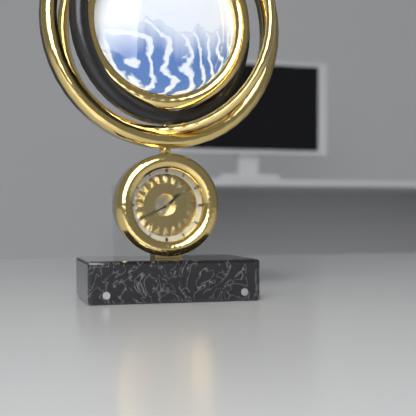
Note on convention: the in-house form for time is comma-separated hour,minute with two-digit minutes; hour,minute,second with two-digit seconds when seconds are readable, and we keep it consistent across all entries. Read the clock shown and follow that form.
1,40
